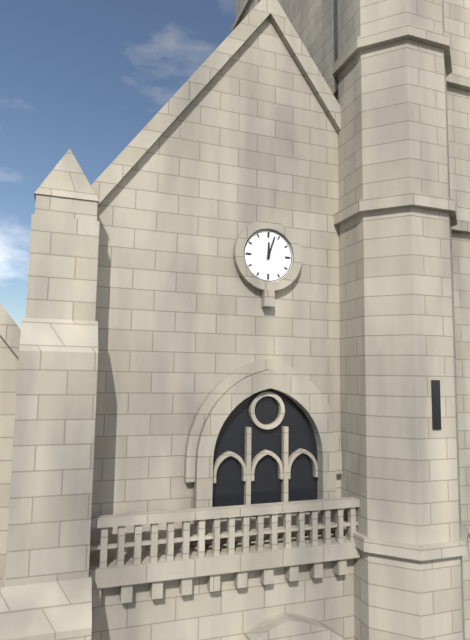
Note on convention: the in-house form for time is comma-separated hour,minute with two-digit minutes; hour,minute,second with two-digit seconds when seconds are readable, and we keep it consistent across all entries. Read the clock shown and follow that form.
12,03
